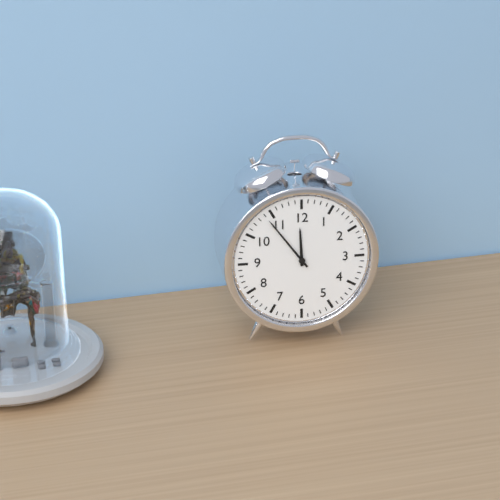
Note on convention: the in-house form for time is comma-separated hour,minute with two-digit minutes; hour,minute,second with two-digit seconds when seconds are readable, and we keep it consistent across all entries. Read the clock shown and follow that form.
11,54
